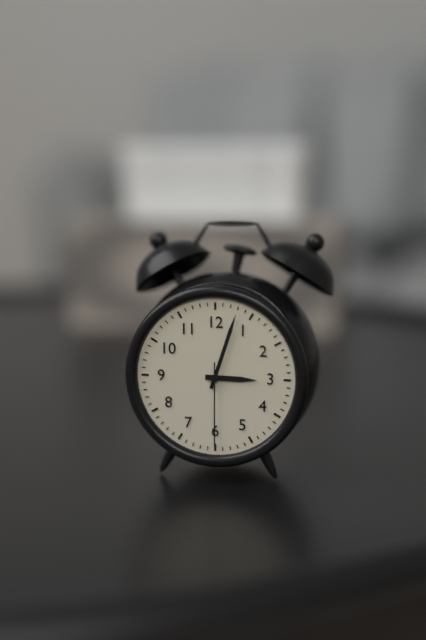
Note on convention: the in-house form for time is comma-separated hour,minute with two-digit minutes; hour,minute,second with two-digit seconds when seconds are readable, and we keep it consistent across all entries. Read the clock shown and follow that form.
3,03,30
